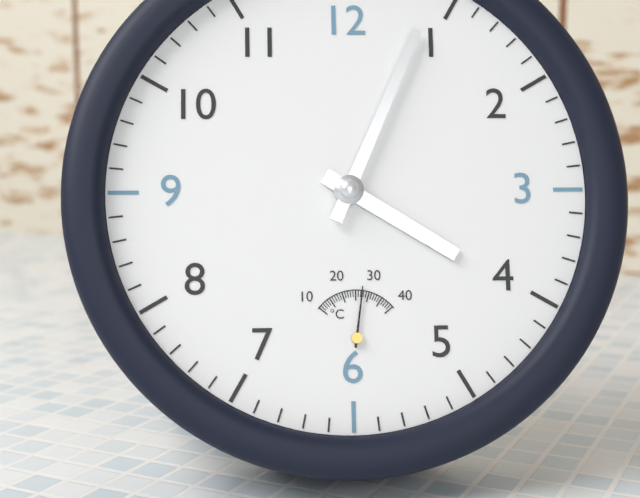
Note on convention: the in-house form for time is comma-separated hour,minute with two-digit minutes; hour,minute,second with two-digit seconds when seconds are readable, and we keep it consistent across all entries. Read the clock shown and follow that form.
4,04
